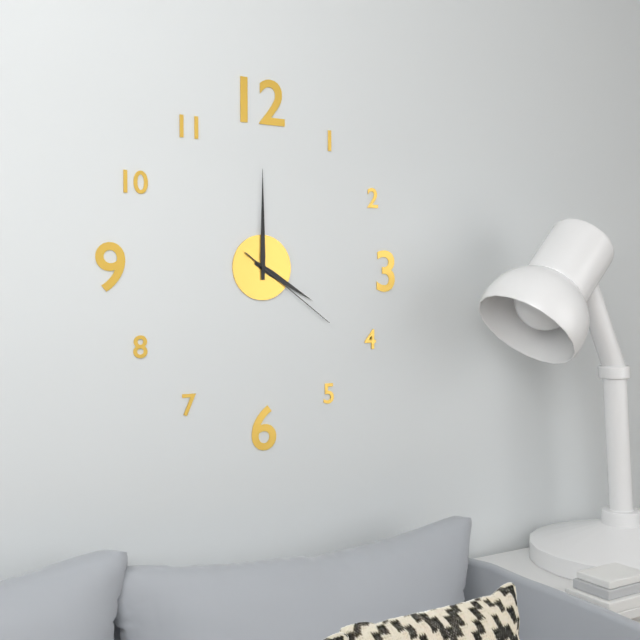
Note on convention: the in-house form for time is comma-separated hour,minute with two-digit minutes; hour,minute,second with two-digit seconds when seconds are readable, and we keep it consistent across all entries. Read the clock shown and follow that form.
4,00,21
